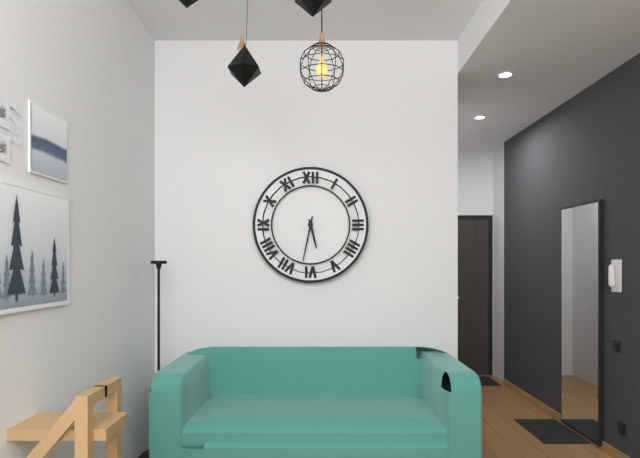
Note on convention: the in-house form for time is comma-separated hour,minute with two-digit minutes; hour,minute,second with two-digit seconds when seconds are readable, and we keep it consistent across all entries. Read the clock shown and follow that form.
5,32
